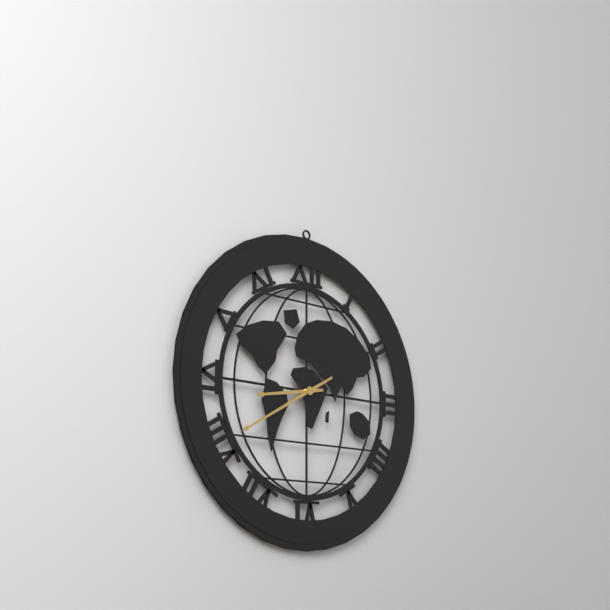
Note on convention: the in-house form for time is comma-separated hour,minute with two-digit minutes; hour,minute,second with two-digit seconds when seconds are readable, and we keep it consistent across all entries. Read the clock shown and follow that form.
8,40
